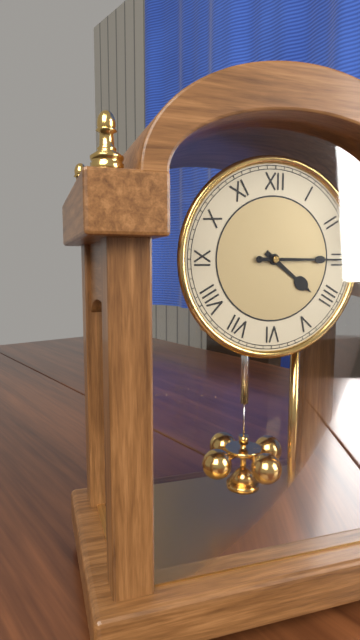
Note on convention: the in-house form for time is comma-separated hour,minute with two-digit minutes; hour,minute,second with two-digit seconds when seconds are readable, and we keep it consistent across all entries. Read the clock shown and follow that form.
4,15
